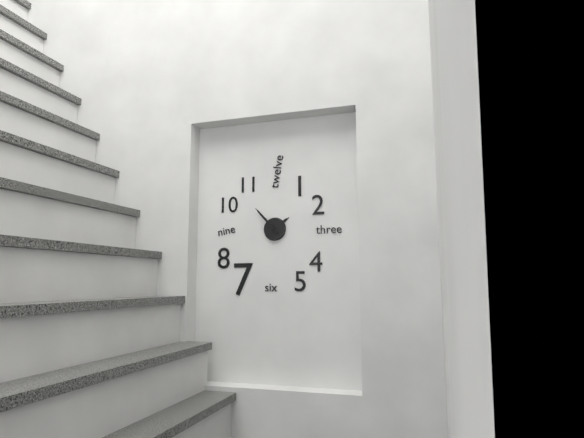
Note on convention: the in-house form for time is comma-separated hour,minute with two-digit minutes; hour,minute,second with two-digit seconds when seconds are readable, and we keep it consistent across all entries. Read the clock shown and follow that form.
1,53
